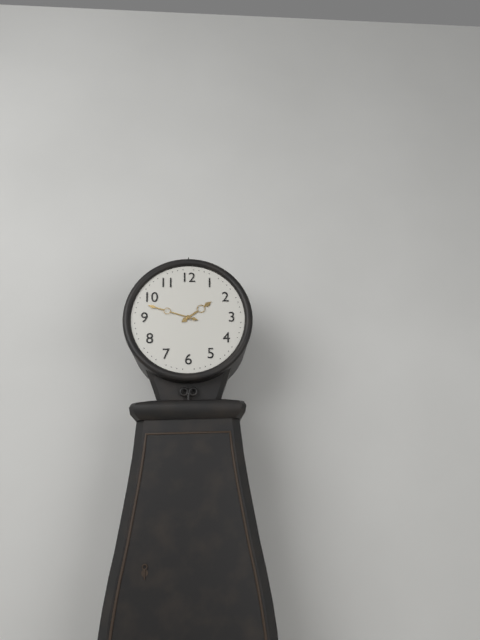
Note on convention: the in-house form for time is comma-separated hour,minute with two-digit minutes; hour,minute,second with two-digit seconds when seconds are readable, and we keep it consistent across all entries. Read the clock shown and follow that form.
1,48
